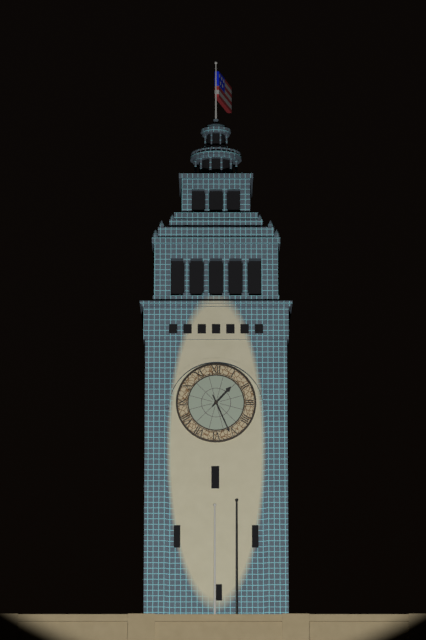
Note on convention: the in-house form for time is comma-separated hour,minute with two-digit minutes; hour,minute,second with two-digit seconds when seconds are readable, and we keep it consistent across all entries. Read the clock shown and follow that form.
1,26
